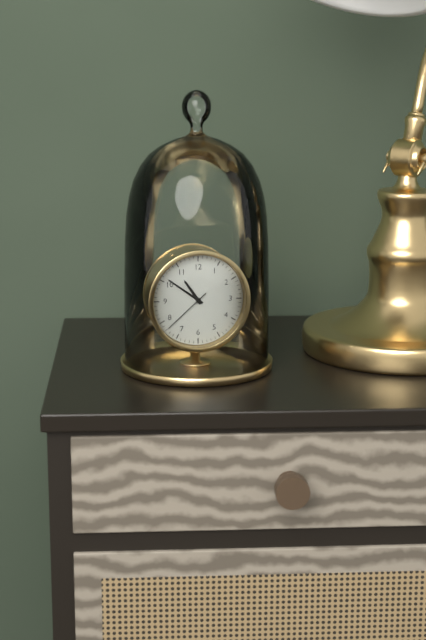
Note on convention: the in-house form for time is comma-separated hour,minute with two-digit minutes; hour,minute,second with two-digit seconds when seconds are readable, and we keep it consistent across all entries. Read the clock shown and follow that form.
10,51,38
